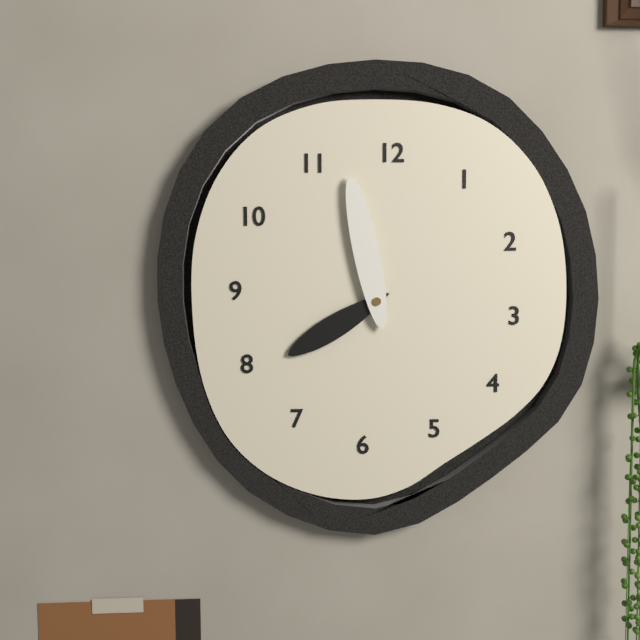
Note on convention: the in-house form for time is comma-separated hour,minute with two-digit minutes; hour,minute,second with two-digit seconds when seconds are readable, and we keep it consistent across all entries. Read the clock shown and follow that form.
7,58
